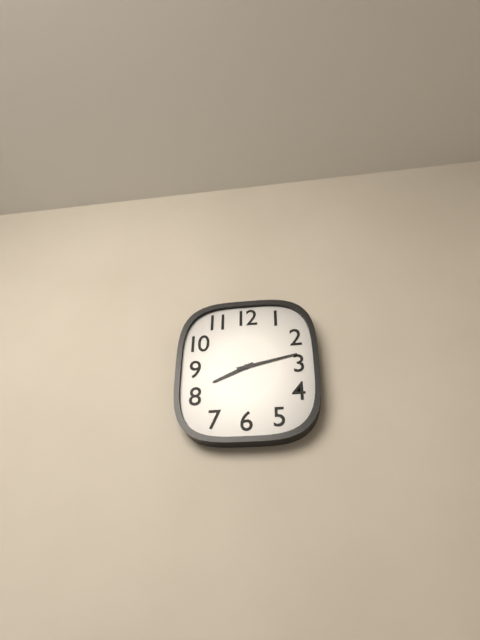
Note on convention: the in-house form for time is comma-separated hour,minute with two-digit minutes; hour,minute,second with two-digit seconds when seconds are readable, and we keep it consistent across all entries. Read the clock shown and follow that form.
8,13
